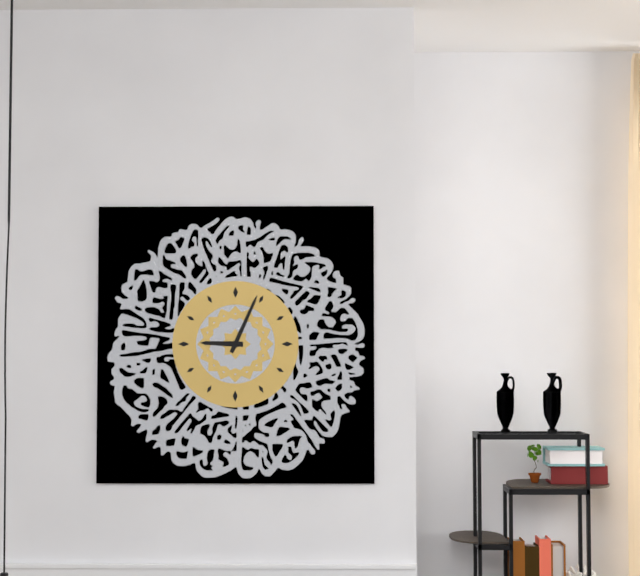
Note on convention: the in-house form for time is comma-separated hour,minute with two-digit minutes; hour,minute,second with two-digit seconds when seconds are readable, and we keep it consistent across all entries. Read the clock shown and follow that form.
9,04
